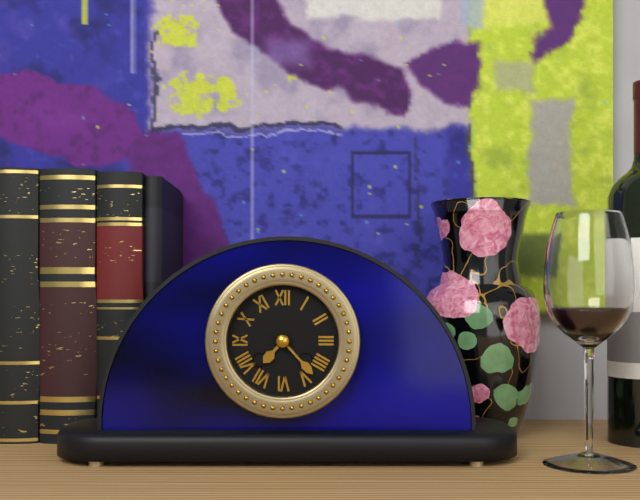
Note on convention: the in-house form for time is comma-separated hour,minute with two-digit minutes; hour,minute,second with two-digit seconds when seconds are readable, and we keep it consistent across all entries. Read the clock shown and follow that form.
7,23
